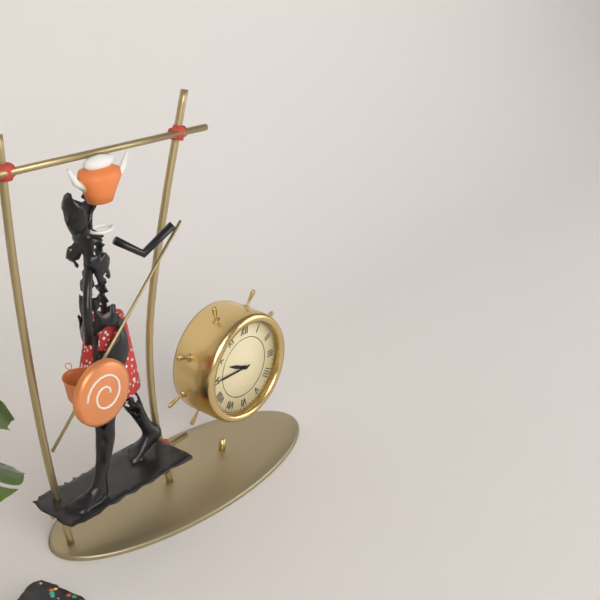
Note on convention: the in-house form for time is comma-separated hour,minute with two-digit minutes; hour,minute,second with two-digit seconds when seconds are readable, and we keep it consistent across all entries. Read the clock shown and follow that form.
9,45
